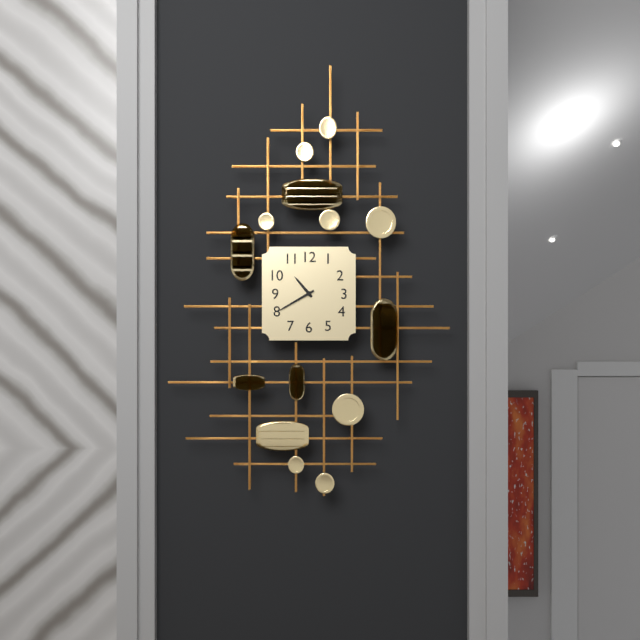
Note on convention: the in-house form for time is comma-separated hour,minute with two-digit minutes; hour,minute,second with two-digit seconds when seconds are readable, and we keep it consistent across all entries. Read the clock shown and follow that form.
10,40
